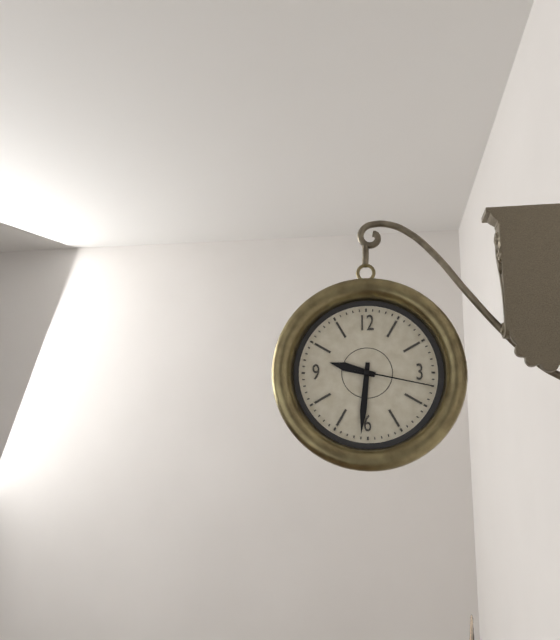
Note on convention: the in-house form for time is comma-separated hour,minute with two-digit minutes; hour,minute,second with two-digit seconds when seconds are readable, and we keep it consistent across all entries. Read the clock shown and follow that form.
9,31,17
